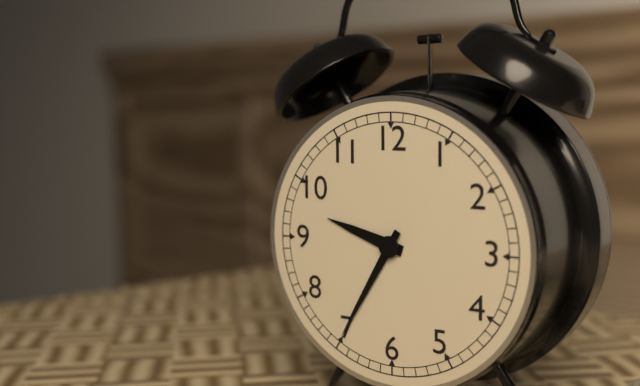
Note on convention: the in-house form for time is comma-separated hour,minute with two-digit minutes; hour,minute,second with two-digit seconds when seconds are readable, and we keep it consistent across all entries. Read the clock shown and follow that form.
9,35
